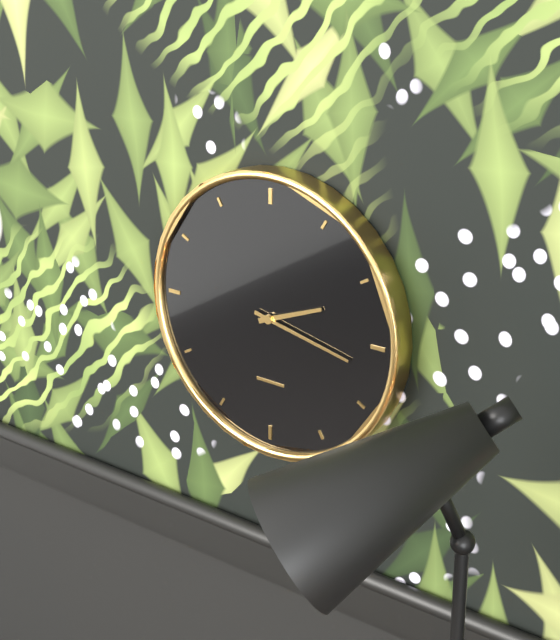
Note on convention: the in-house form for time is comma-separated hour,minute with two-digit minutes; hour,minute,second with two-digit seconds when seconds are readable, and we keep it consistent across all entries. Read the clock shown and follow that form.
2,17
